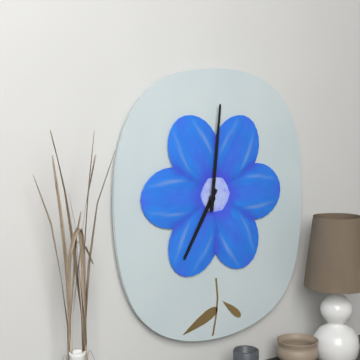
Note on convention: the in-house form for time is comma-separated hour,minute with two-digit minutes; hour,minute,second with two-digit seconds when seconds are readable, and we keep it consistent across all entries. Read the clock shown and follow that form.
7,01
